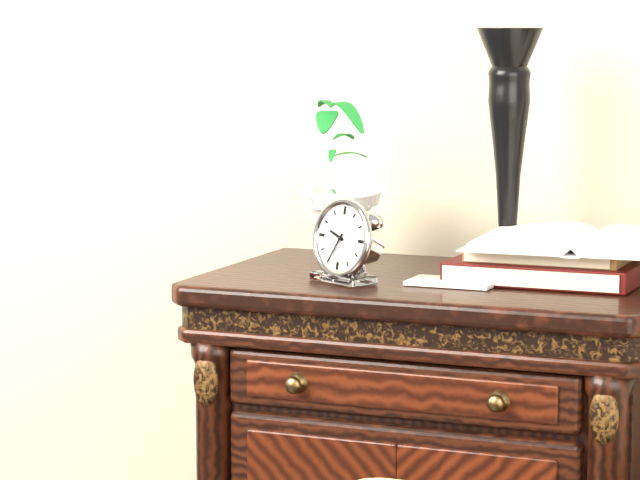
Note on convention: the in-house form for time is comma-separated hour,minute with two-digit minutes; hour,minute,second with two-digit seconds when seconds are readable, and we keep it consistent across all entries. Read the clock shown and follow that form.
9,35
